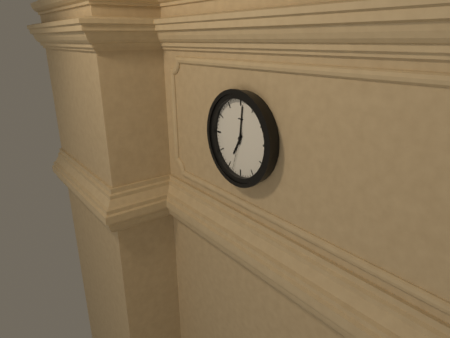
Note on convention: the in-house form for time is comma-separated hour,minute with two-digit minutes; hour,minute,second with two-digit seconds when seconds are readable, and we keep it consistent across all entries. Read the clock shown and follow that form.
7,01
